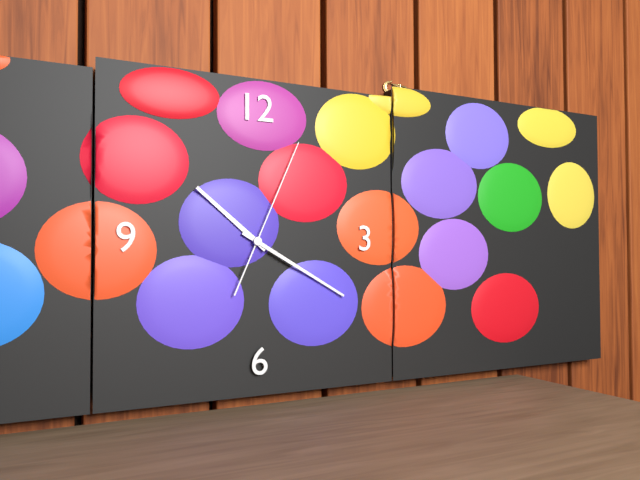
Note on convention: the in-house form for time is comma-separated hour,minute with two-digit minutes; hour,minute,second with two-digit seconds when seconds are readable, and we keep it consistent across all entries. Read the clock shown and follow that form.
10,20,04
